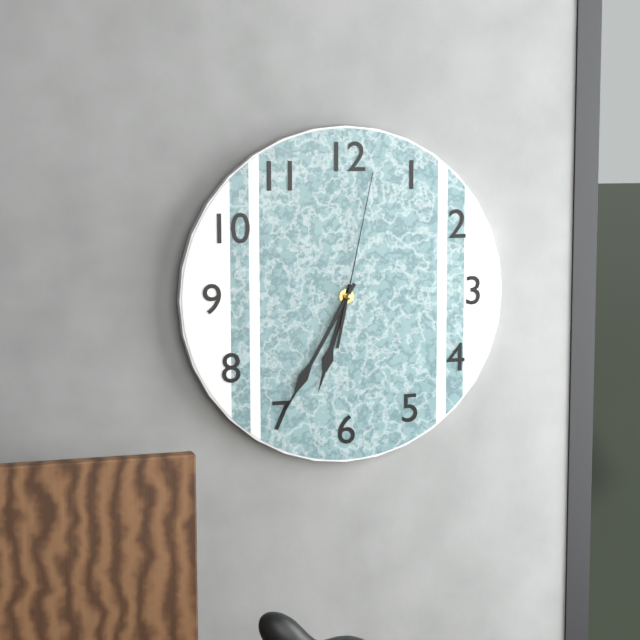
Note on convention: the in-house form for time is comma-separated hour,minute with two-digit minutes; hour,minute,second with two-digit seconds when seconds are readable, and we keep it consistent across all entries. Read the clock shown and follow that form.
6,35,02
